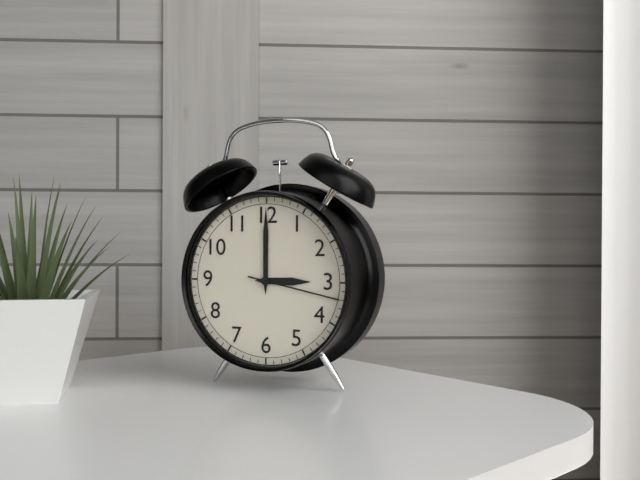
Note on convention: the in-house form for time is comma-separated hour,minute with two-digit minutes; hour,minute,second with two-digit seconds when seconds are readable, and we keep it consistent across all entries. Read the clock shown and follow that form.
3,00,17
